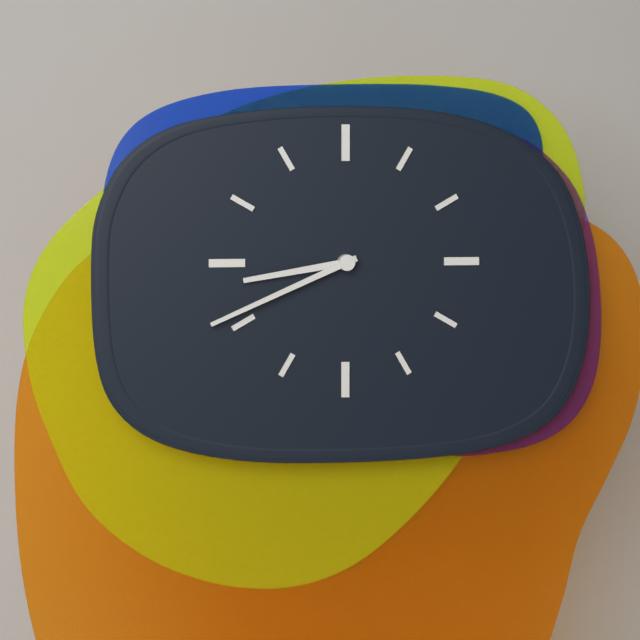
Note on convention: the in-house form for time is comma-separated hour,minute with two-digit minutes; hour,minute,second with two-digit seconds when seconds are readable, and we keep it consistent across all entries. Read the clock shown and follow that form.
8,41
